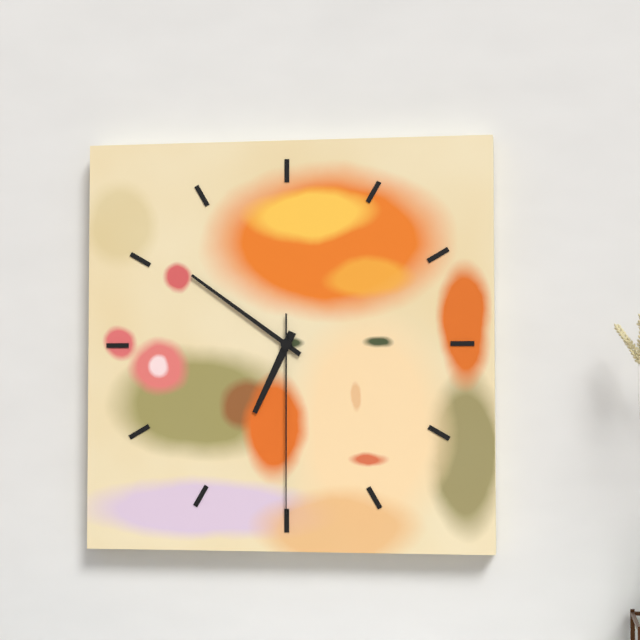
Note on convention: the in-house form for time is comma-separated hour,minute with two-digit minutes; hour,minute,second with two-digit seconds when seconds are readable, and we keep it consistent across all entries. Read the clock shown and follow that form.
6,51,30
